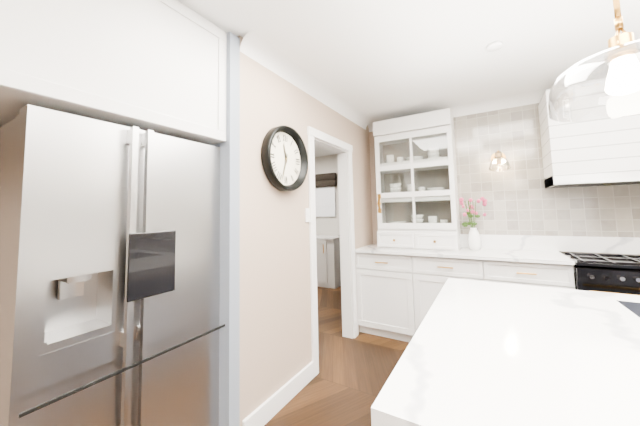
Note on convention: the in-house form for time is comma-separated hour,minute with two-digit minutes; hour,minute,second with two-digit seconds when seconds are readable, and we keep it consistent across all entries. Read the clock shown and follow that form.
11,33
